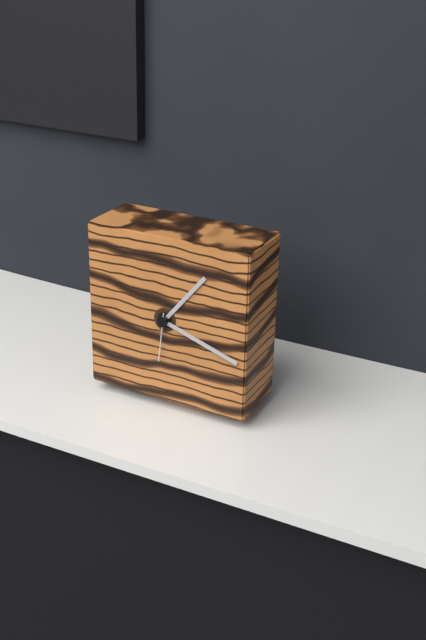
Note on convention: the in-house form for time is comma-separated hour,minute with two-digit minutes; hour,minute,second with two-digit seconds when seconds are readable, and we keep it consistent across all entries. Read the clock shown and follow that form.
1,18
